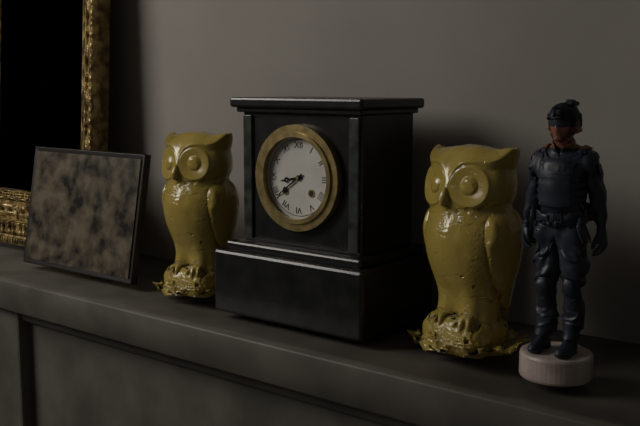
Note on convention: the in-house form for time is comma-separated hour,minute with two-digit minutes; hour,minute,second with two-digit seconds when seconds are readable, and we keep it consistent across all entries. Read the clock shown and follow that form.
8,39
